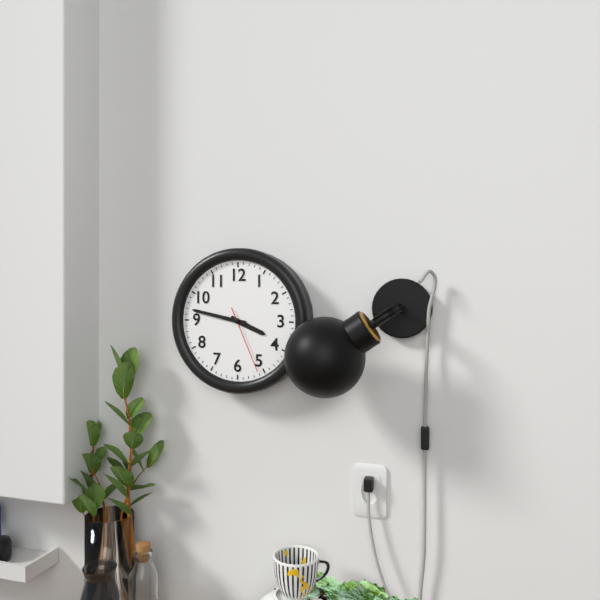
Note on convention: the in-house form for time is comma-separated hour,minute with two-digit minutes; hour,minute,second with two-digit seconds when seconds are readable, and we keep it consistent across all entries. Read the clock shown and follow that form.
3,47,26
